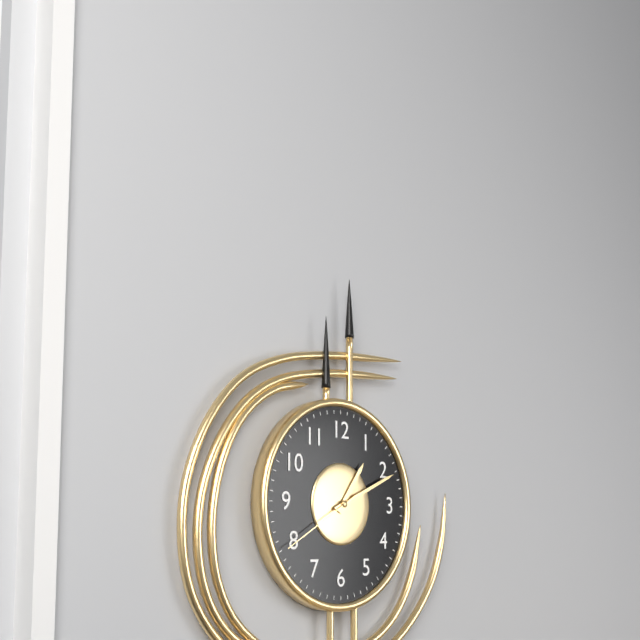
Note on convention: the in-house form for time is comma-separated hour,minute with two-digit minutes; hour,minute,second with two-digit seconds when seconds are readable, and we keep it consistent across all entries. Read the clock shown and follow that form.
1,11,40
